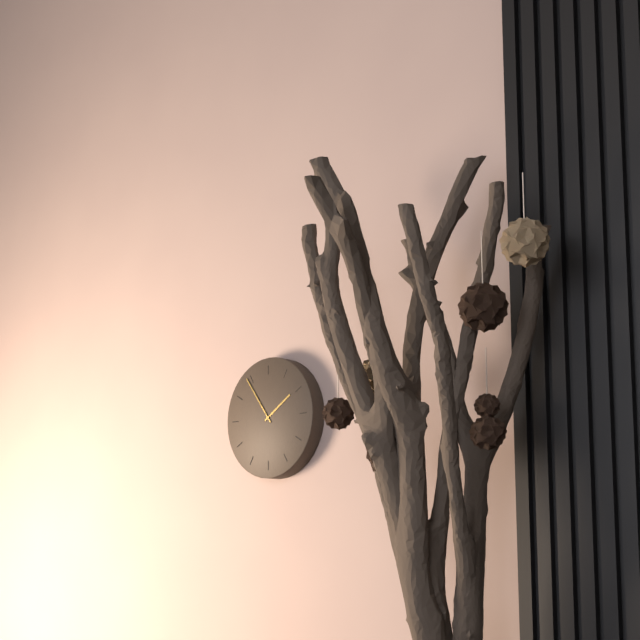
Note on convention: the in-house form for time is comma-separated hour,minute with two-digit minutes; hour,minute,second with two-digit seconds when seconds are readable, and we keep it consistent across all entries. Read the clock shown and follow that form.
1,54
